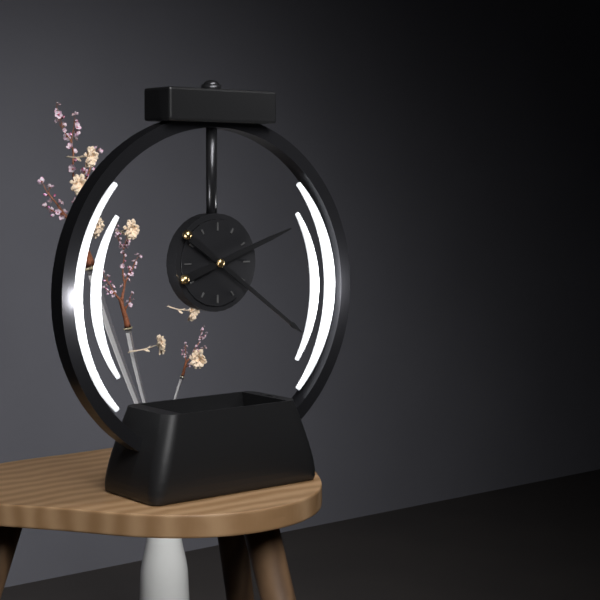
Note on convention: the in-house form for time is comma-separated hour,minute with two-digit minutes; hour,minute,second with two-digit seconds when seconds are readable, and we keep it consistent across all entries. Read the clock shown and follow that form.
2,21
